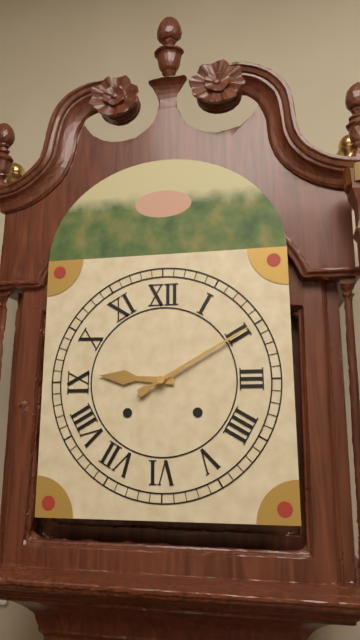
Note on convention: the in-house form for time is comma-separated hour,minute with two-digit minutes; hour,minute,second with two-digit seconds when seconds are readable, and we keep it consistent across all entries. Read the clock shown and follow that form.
9,10
